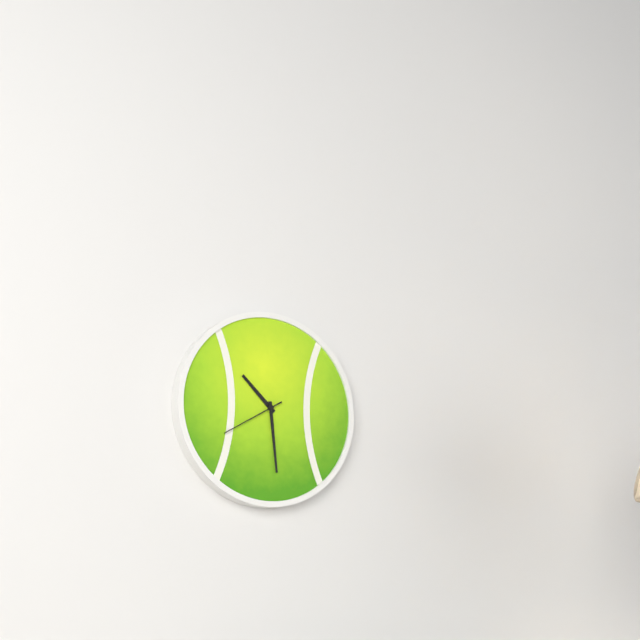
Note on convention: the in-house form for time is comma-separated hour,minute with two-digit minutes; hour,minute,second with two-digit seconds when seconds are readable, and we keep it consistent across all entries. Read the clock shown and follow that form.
10,29,40
